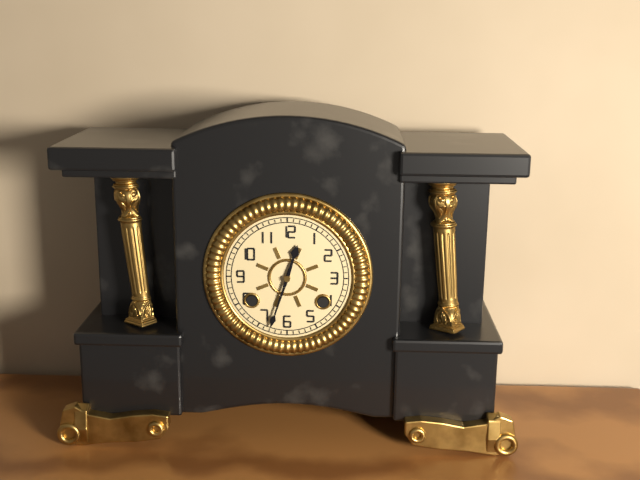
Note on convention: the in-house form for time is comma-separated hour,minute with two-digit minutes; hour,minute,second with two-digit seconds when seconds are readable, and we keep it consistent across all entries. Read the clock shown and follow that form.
12,33
